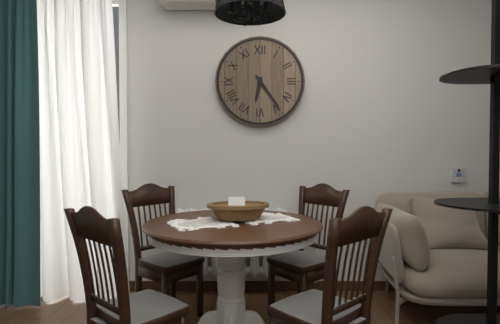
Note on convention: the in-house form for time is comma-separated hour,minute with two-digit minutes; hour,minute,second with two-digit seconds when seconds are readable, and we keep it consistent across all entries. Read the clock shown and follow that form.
6,24
